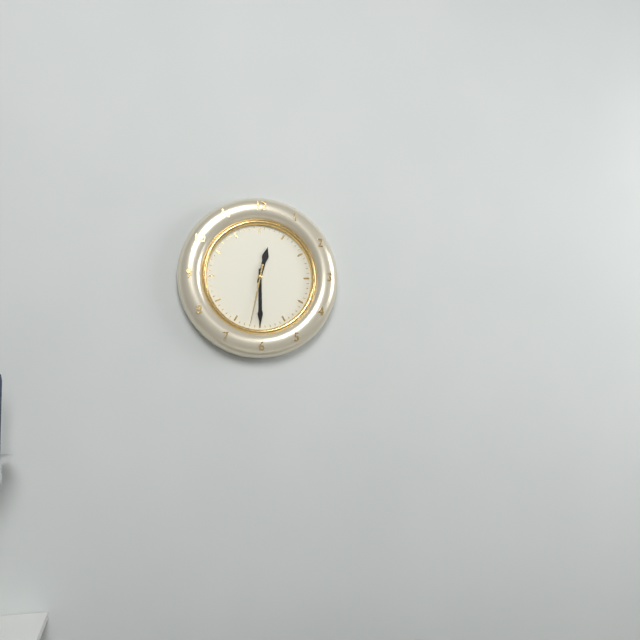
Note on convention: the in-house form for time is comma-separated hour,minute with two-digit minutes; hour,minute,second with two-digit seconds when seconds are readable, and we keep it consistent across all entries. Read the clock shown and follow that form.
12,30,32
